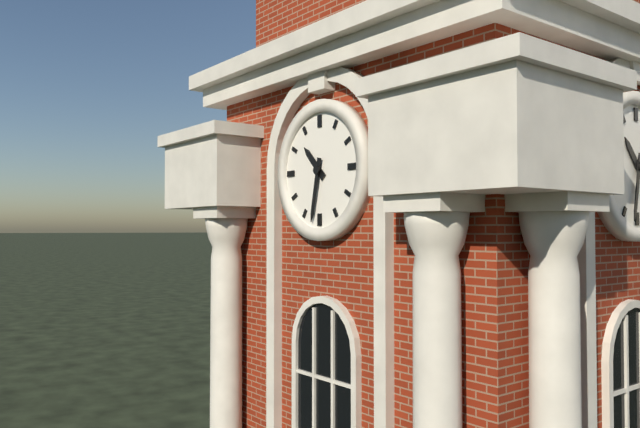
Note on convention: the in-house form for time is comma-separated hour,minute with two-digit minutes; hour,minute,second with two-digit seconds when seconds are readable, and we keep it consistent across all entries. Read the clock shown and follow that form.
10,32
